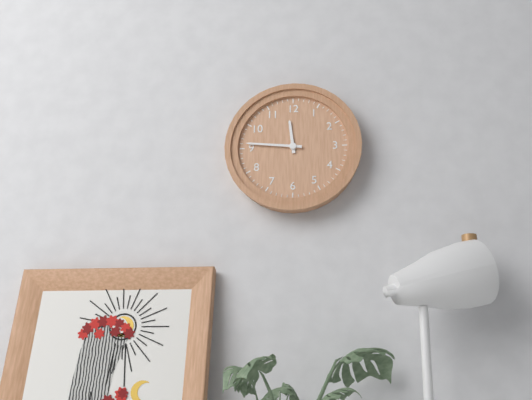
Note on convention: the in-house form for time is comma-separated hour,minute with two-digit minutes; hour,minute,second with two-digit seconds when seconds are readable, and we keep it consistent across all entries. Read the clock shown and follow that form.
11,46
